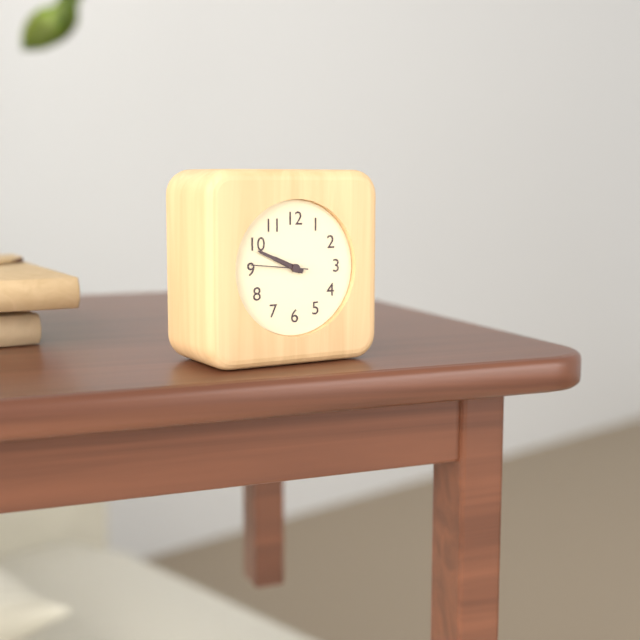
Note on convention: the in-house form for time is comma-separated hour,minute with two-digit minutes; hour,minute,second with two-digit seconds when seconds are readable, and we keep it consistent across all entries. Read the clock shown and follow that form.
9,49,46
